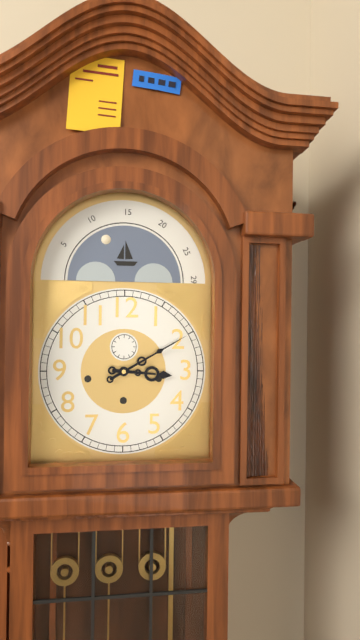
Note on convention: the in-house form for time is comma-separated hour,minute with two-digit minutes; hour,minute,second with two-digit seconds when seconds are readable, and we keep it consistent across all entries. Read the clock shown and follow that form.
3,10
